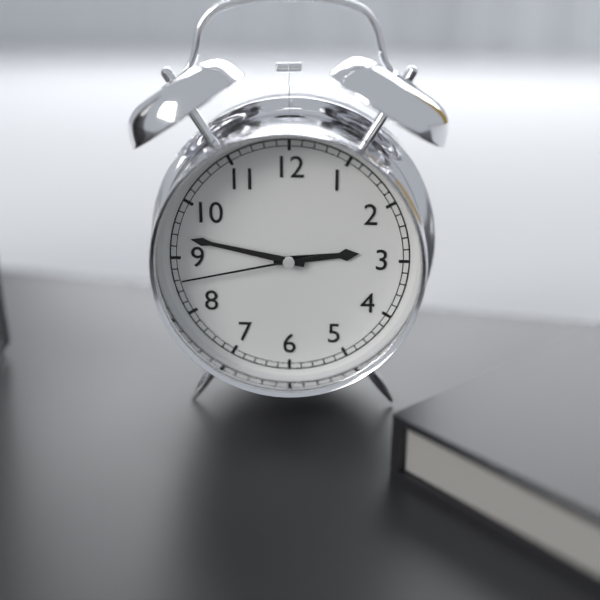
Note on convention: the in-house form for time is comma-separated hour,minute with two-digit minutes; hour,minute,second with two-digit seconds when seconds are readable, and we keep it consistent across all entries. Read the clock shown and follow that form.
2,47,43
